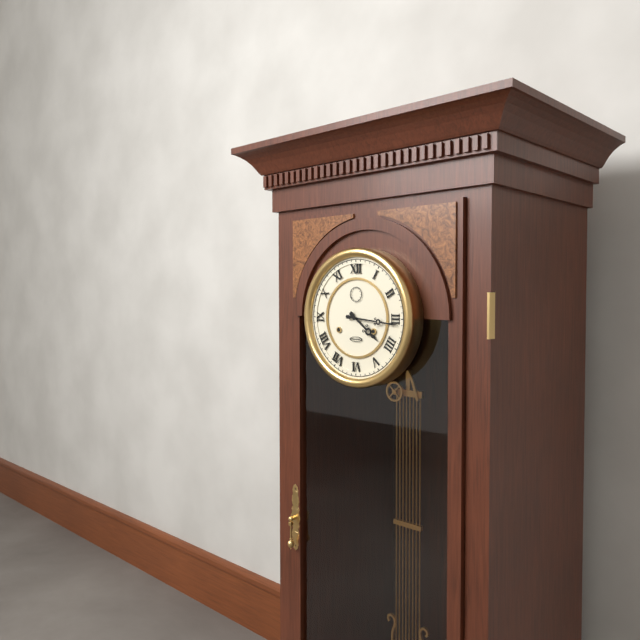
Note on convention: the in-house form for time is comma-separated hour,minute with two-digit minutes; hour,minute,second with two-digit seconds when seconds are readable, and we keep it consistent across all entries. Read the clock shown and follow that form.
4,16
